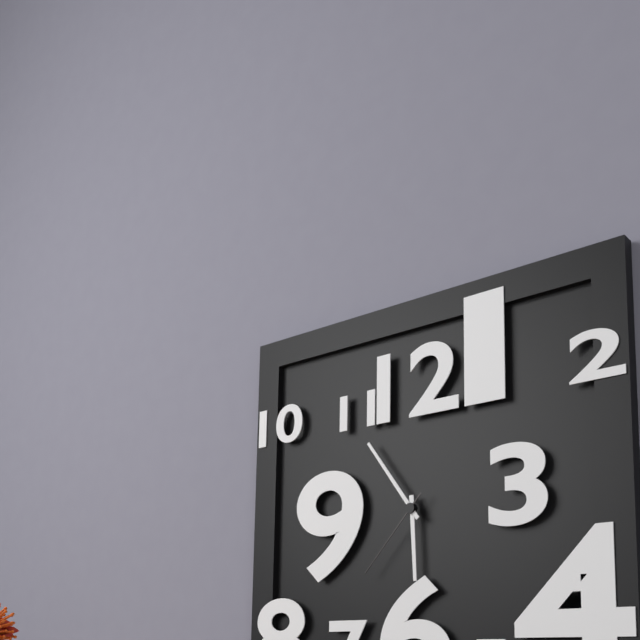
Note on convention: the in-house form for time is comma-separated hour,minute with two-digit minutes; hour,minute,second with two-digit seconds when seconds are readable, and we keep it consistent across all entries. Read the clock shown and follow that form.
5,54,37
